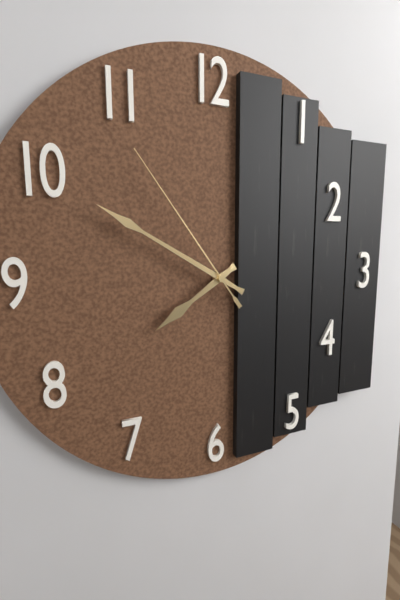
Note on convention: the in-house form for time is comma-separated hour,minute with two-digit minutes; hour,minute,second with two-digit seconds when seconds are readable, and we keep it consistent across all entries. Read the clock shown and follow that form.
7,50,54
